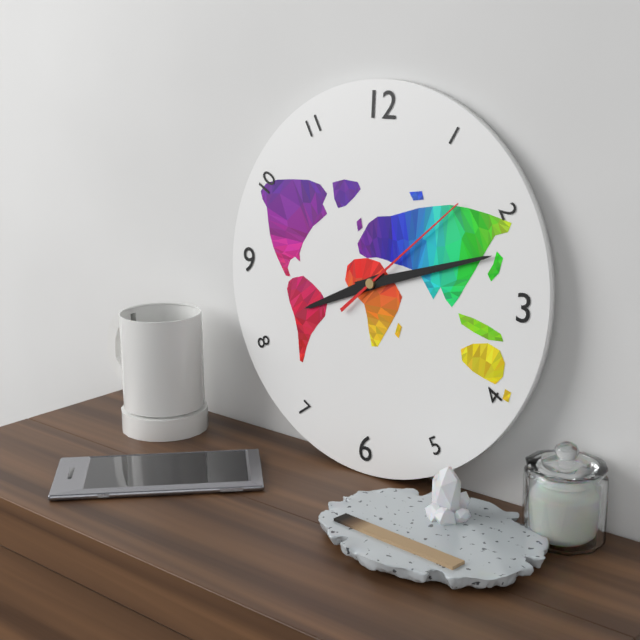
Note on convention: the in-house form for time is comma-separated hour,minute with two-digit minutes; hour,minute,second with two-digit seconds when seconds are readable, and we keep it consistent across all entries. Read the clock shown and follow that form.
8,12,08
